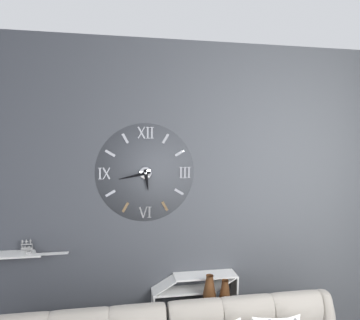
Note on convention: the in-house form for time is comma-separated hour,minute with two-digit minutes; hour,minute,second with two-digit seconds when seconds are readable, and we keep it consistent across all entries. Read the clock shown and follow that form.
5,43
